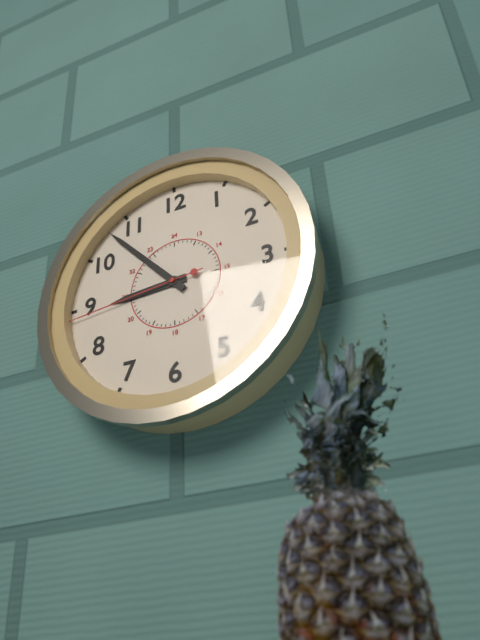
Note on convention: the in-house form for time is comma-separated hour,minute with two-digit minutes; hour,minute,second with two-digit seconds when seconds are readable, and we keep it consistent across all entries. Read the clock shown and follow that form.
8,53,44
